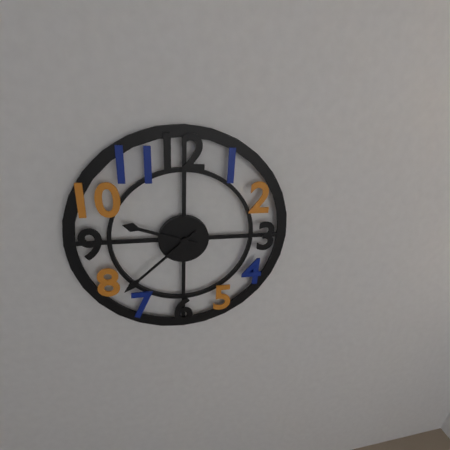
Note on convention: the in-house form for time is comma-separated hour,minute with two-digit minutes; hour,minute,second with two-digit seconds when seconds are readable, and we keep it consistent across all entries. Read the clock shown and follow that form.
9,38
